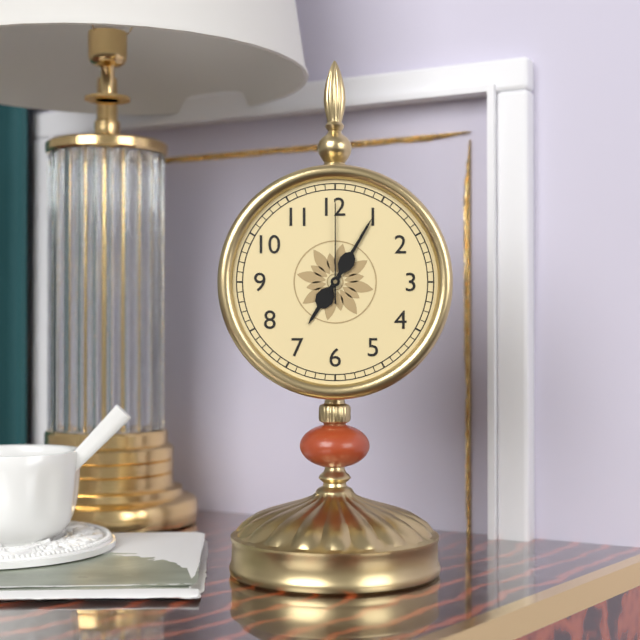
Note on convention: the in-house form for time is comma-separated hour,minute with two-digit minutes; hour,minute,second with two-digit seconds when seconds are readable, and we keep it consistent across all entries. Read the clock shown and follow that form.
7,05,00
